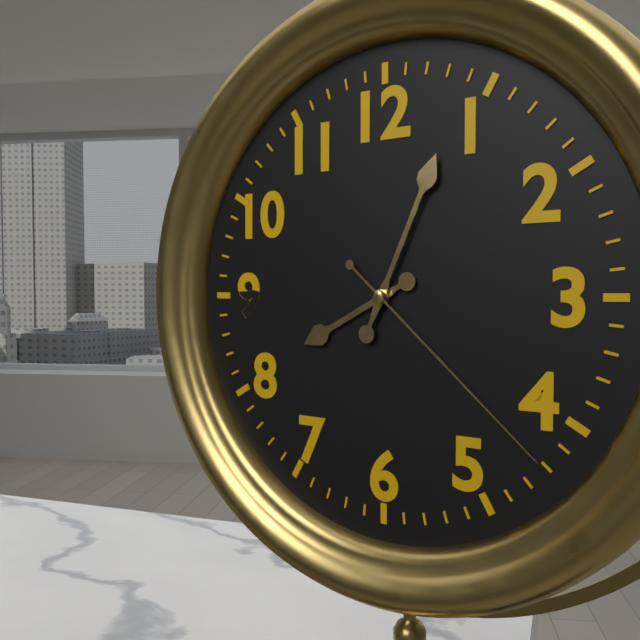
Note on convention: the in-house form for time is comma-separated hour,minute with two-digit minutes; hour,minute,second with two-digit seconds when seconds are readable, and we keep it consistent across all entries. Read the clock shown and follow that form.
8,04,22
